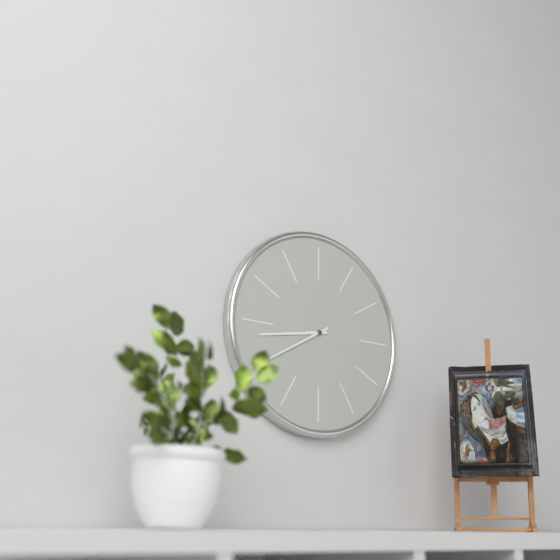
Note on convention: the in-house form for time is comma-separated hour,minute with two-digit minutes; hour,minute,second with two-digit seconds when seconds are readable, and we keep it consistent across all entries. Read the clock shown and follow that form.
8,40
